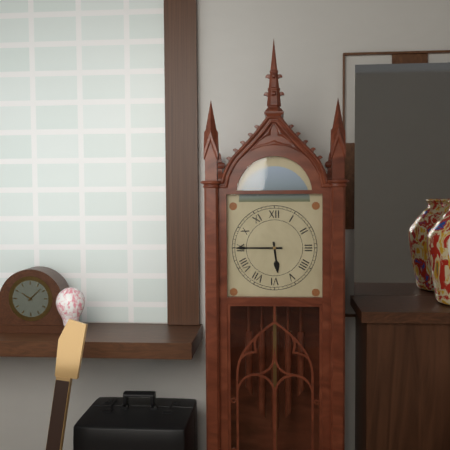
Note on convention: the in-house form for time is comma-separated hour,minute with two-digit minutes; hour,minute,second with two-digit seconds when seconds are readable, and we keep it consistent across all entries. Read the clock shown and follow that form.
5,45
